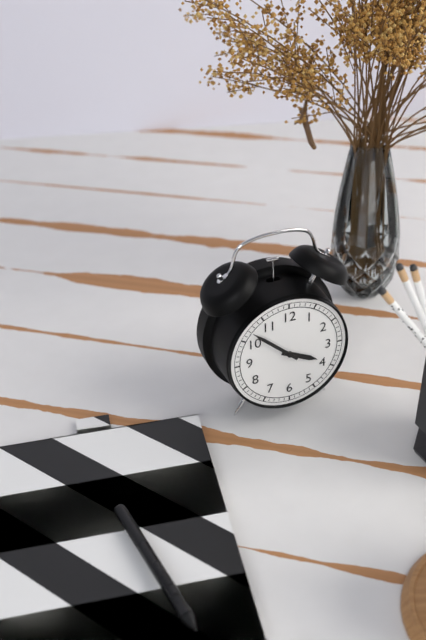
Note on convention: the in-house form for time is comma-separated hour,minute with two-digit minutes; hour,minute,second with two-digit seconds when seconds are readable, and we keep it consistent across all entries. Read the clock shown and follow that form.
3,52
